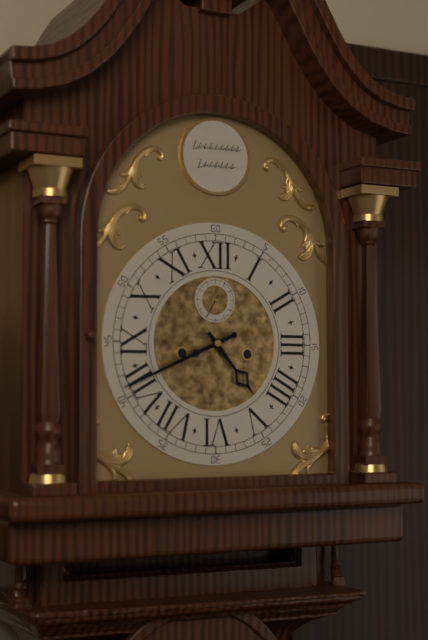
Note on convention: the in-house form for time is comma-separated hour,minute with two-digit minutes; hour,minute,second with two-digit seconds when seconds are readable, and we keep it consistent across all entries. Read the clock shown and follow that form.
4,41
